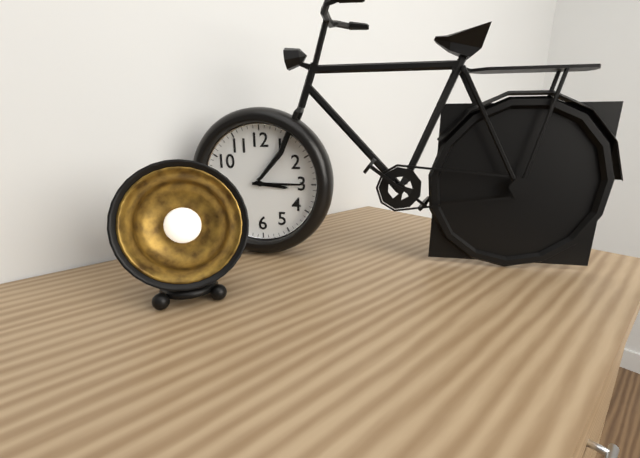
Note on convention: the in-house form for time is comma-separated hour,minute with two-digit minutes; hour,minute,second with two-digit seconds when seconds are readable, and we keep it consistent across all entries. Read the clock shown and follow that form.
3,15
